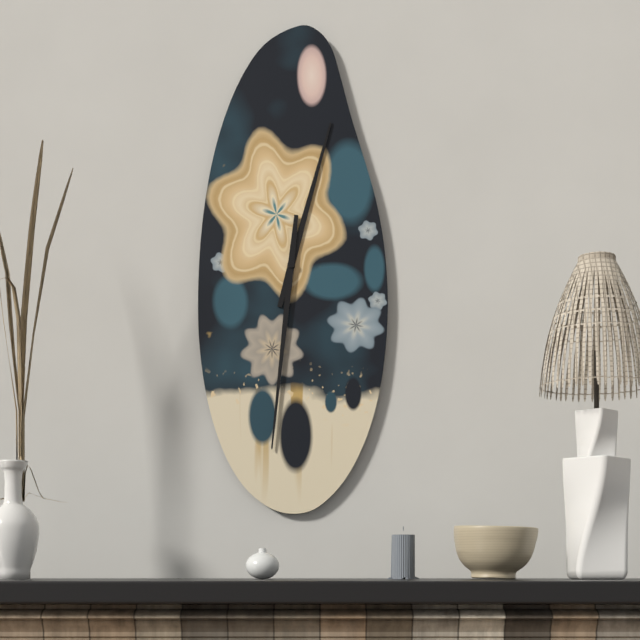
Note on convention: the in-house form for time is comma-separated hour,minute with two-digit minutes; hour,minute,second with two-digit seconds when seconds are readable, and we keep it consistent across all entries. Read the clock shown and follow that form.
12,31
